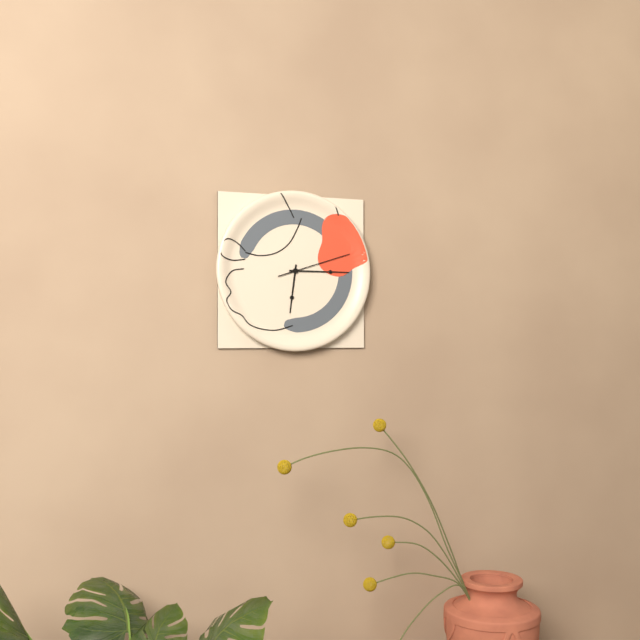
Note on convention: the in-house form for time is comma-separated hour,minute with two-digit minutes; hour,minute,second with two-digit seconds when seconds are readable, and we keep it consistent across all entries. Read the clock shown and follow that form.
6,15,12
